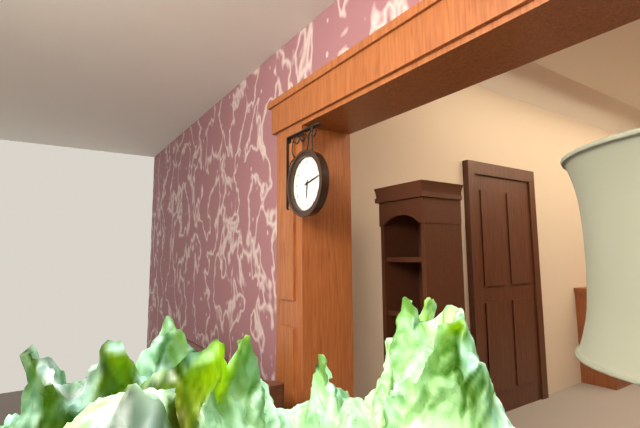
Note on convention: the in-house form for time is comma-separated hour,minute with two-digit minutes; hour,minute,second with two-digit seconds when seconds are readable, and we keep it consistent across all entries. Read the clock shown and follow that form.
6,13
